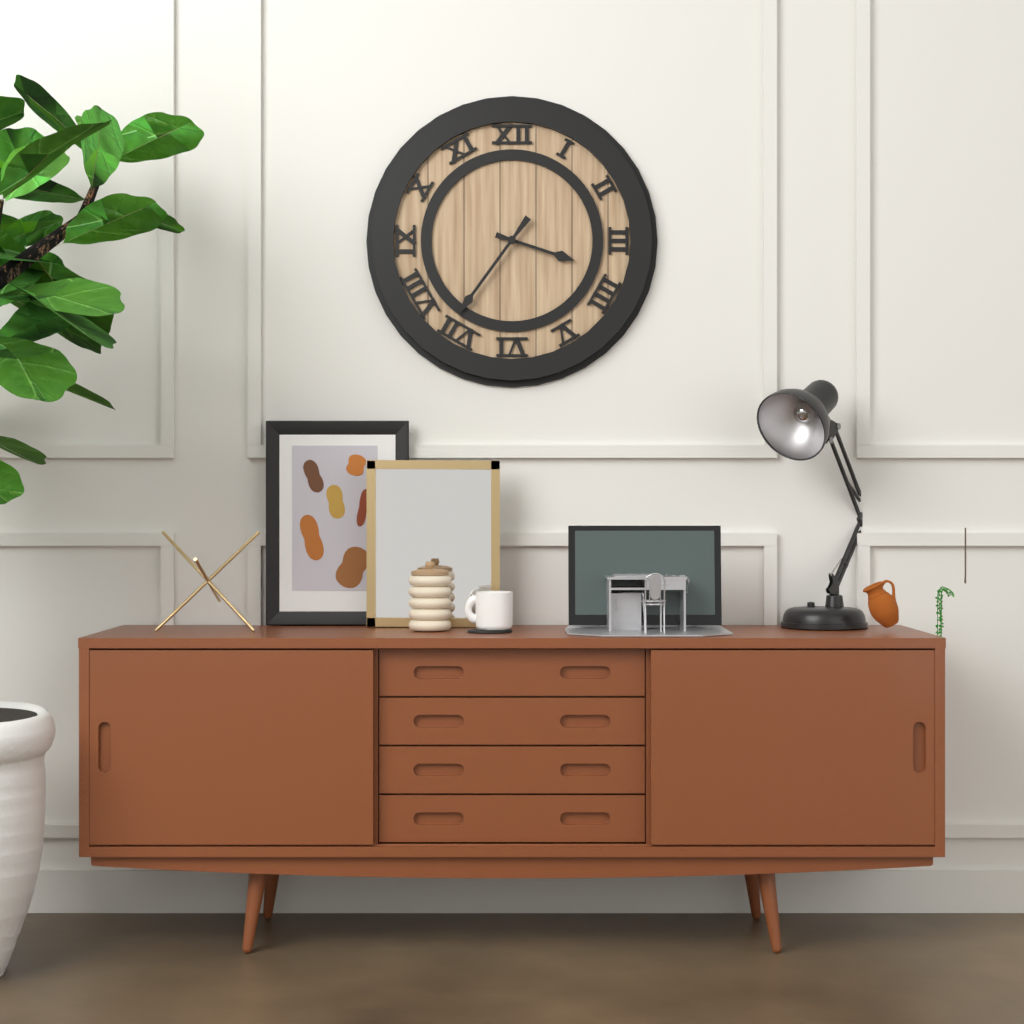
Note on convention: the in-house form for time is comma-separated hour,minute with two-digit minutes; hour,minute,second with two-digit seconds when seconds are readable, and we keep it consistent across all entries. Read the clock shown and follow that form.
3,36
